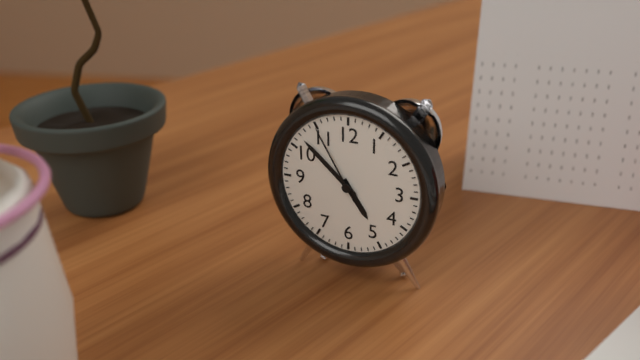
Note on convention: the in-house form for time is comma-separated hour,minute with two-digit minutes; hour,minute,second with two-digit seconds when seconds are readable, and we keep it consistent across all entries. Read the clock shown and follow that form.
4,52,55
